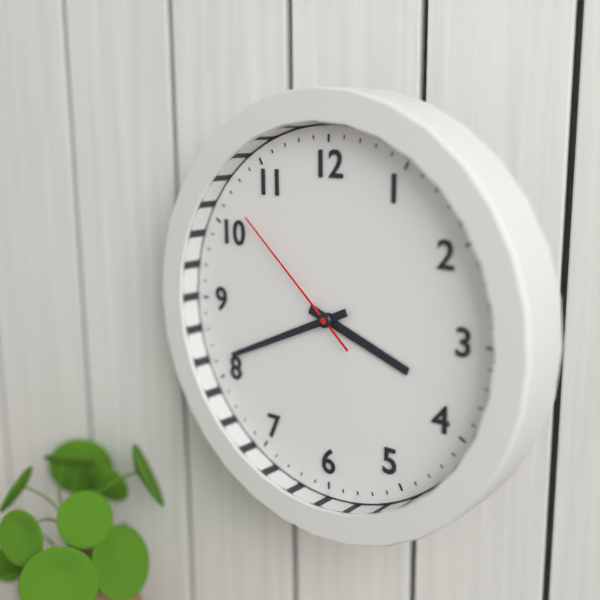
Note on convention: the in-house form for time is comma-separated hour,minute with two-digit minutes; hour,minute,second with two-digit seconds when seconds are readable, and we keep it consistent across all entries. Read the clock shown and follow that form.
3,41,52
